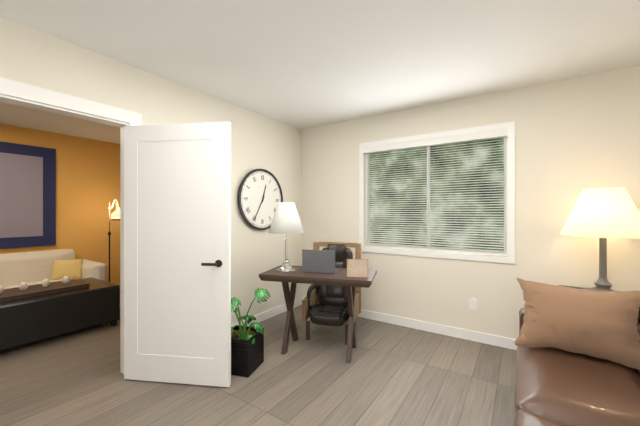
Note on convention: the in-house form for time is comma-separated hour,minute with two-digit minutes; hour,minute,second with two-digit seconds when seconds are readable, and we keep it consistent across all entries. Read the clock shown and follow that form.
12,35
